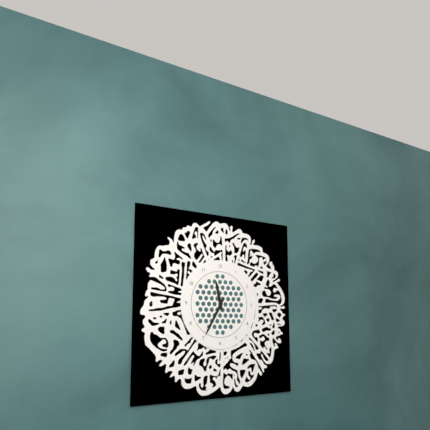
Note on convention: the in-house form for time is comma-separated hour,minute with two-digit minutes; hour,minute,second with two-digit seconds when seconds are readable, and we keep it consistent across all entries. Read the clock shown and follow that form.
11,35
